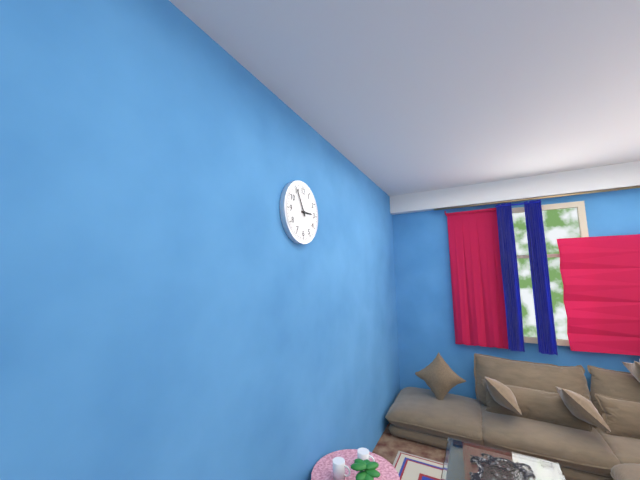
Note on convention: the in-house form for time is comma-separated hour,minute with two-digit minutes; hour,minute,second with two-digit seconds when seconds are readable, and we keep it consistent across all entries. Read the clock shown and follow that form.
2,55
